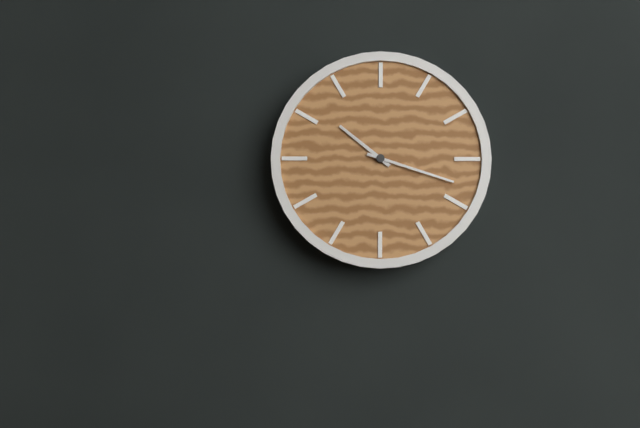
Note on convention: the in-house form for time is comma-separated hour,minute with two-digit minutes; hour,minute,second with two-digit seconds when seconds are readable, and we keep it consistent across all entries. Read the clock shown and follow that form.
10,18
